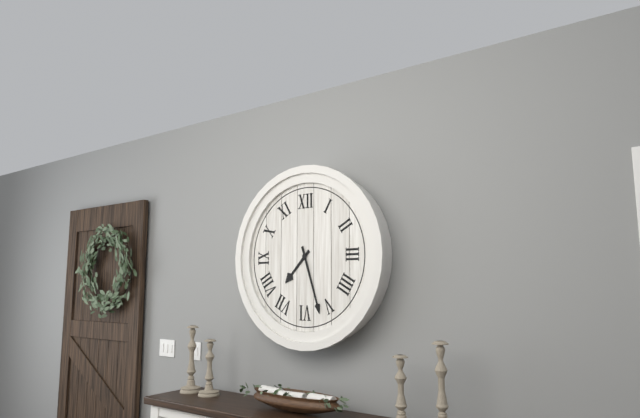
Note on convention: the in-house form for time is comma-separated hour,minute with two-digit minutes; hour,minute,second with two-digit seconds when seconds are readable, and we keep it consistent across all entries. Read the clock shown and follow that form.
7,27
